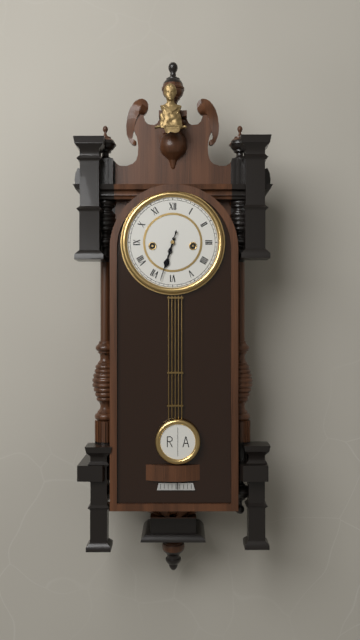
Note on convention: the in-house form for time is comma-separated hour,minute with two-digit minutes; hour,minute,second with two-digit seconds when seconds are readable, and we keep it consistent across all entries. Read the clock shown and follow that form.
6,33
